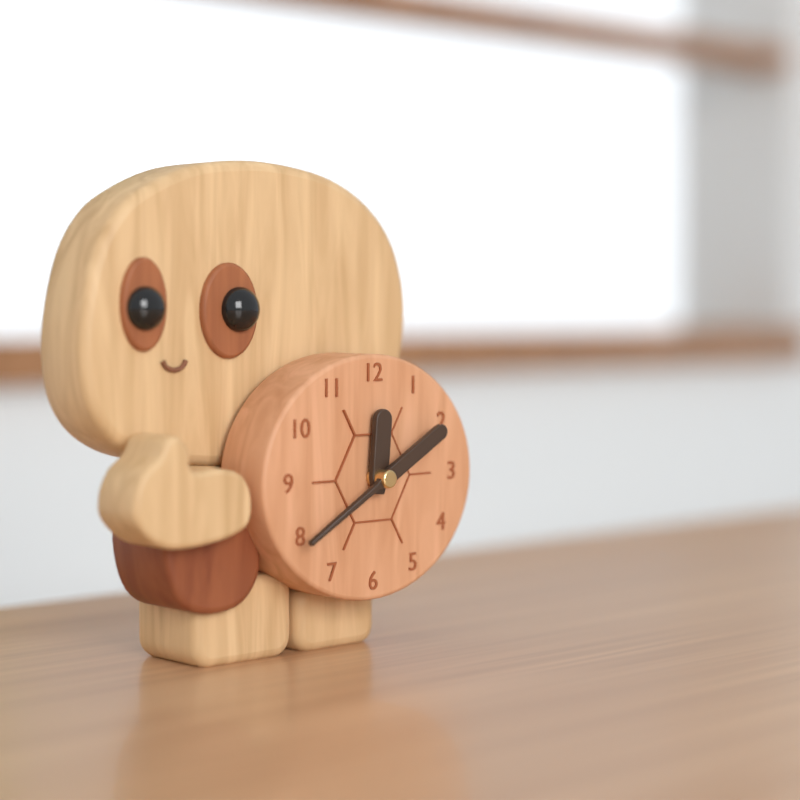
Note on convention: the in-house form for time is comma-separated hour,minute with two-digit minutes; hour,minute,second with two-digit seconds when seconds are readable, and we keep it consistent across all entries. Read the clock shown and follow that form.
12,10
